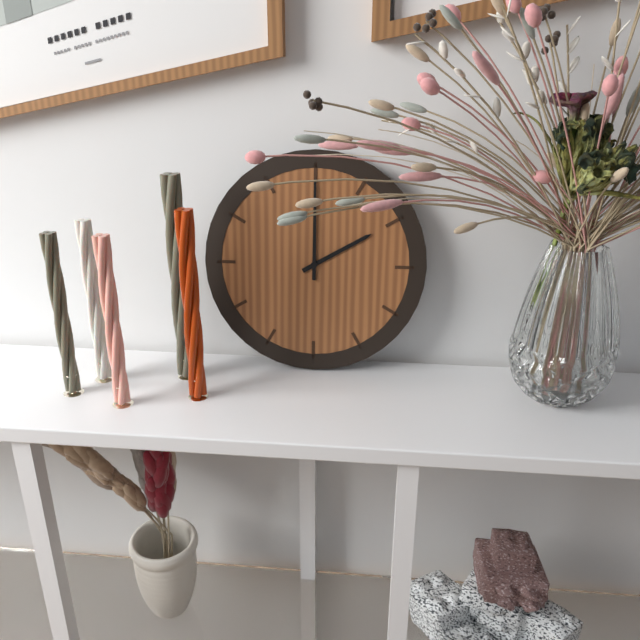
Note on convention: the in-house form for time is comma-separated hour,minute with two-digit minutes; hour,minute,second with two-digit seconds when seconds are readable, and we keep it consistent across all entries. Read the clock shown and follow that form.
2,00
